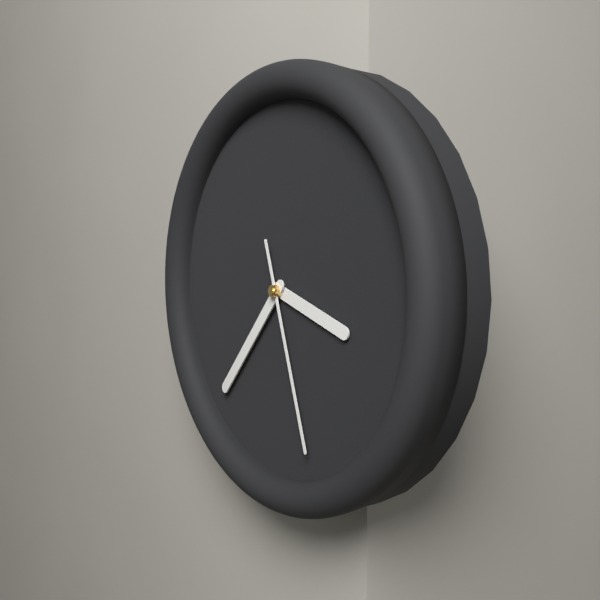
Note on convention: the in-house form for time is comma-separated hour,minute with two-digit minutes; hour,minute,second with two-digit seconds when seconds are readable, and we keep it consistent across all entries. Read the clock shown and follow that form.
3,37,27
